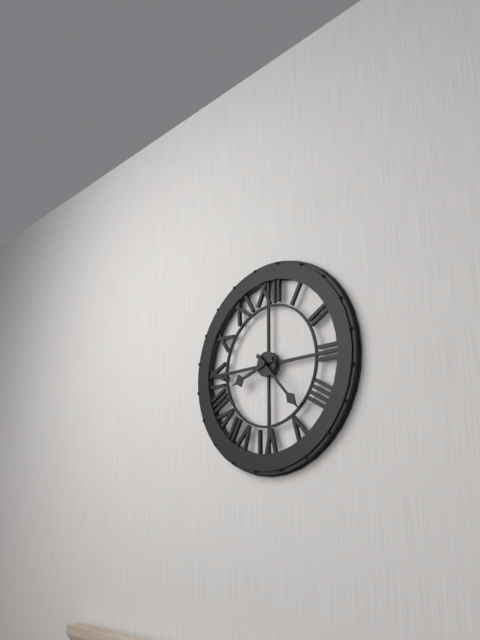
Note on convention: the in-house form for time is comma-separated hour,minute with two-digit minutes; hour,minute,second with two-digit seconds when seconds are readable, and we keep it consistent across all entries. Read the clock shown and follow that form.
8,23
